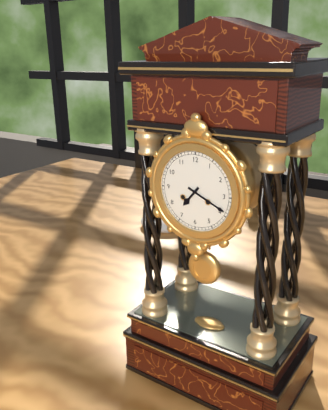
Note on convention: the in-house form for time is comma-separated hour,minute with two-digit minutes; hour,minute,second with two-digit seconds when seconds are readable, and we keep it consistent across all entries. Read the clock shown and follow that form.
7,19
